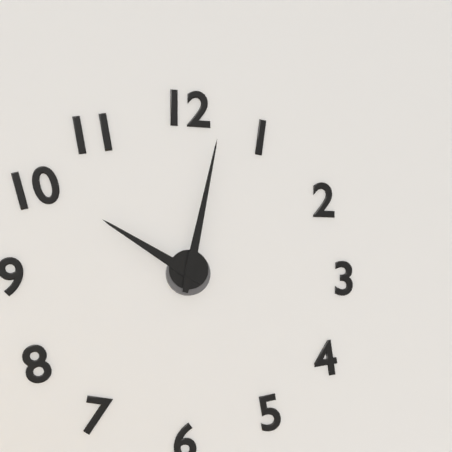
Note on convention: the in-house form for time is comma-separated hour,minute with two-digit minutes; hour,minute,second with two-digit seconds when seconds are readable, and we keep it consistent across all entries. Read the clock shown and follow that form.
10,02
